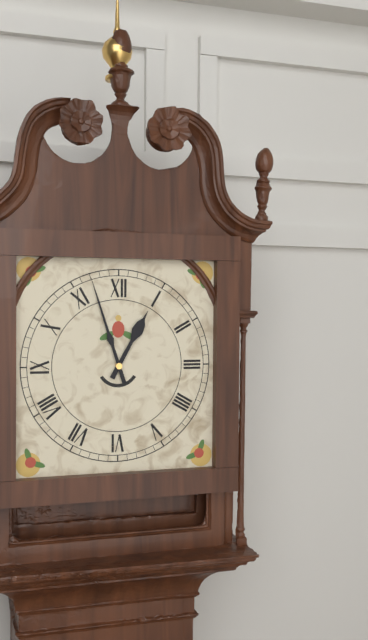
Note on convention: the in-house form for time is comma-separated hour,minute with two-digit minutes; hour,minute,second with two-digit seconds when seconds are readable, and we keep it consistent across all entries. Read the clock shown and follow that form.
12,57
